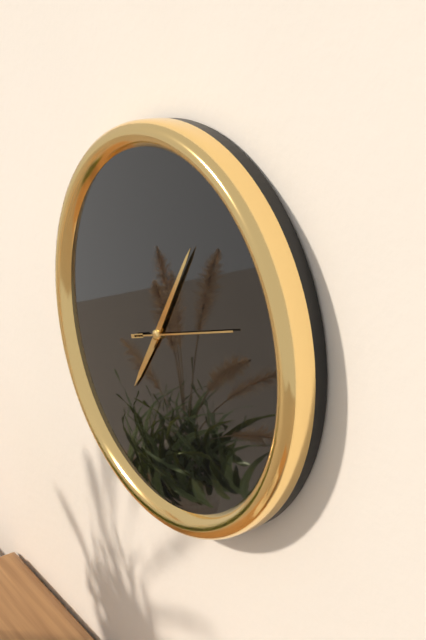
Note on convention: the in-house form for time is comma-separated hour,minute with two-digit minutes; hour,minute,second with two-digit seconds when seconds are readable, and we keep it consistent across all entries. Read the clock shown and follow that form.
7,05,12
